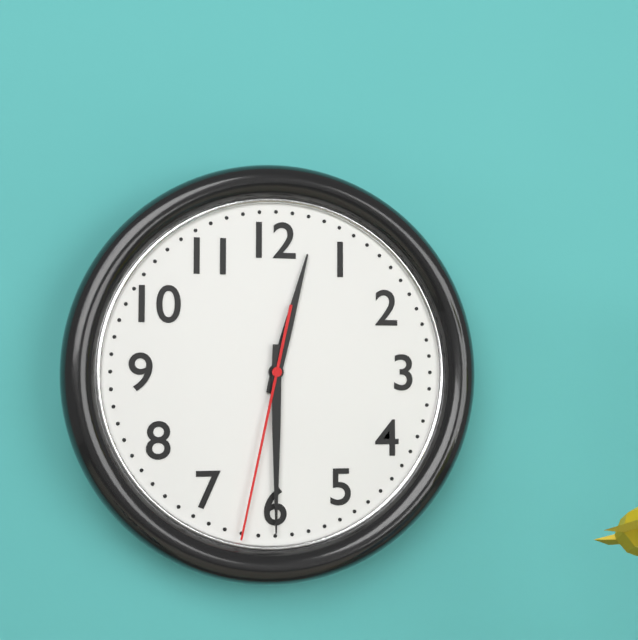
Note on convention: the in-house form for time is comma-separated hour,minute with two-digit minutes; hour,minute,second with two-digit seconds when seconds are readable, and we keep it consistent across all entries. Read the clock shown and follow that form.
12,30,32
